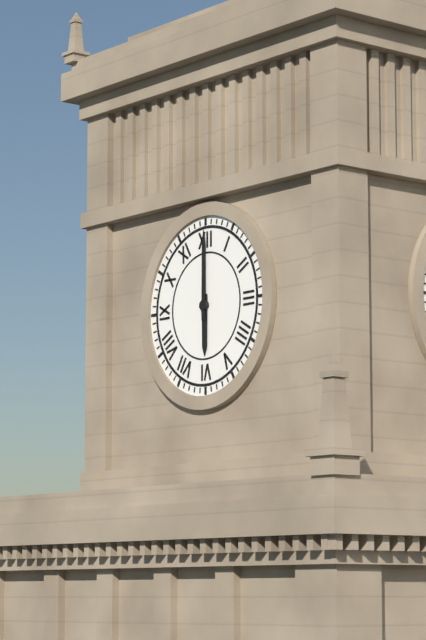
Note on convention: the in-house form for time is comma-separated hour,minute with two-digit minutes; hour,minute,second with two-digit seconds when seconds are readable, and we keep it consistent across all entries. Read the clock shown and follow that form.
6,00
